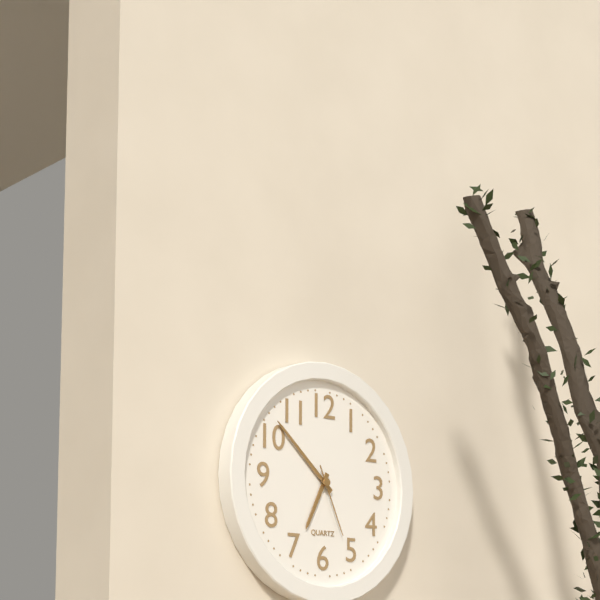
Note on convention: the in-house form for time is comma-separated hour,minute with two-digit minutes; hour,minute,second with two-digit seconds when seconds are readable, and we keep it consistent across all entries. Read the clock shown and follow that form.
6,52,26
